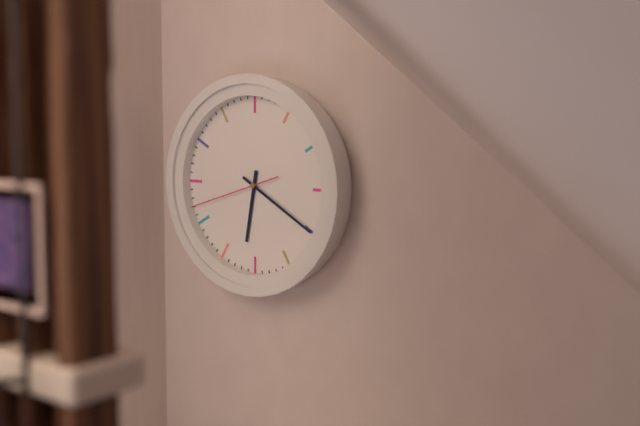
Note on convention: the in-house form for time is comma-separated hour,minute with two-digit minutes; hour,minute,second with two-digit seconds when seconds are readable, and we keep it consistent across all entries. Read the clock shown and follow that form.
6,20,42
